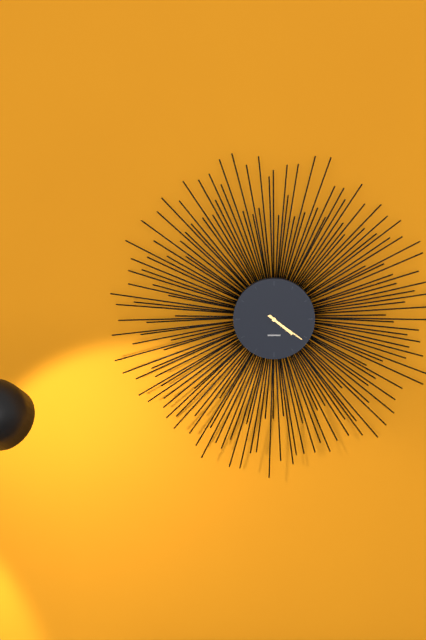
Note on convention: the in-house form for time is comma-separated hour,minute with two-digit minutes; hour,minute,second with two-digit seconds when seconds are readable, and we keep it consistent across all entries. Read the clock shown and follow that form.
4,21
